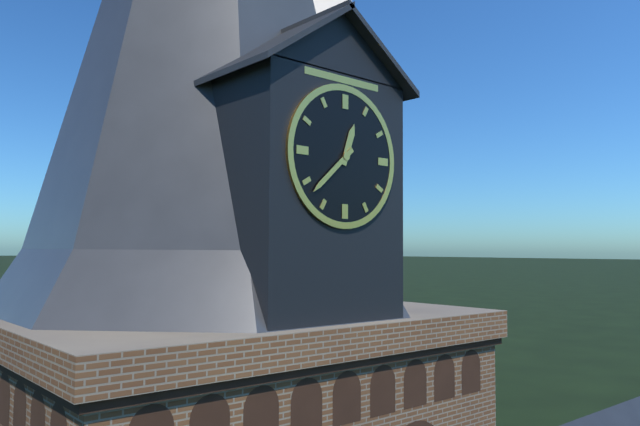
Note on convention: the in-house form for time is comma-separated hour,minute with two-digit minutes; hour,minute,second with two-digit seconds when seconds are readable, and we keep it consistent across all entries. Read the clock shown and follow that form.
12,38
